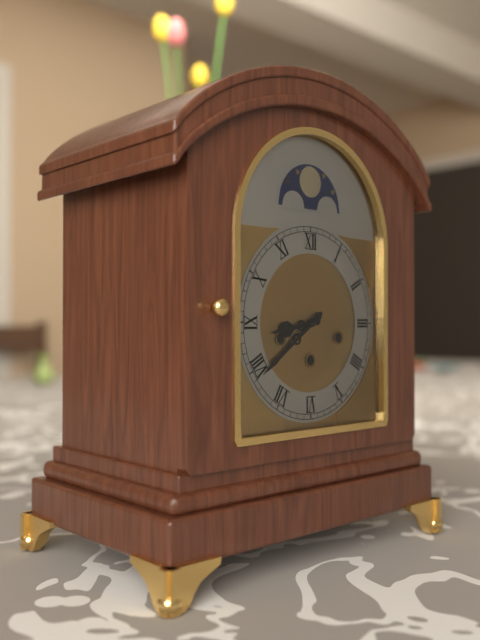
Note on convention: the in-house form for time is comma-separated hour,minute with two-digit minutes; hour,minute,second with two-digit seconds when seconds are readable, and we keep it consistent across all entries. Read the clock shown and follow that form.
8,39
